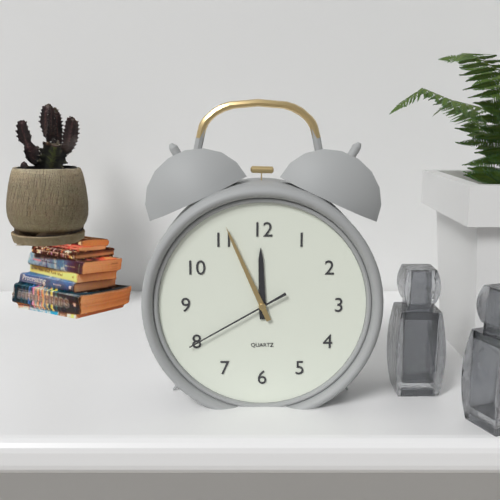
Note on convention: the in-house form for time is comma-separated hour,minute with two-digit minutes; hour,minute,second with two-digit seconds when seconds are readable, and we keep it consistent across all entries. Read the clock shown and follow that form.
11,56,40
